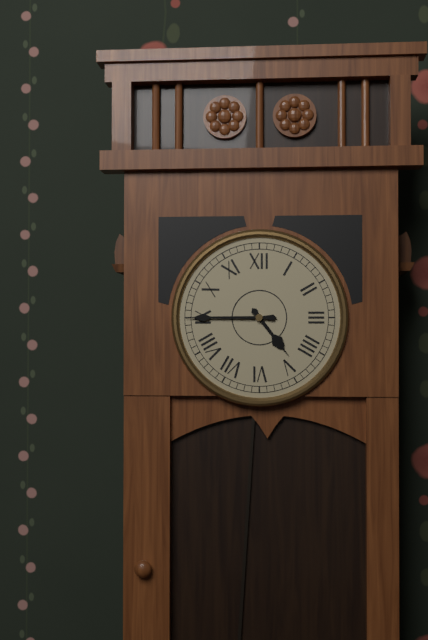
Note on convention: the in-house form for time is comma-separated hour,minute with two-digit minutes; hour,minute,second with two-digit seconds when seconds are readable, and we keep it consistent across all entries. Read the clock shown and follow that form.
4,45
